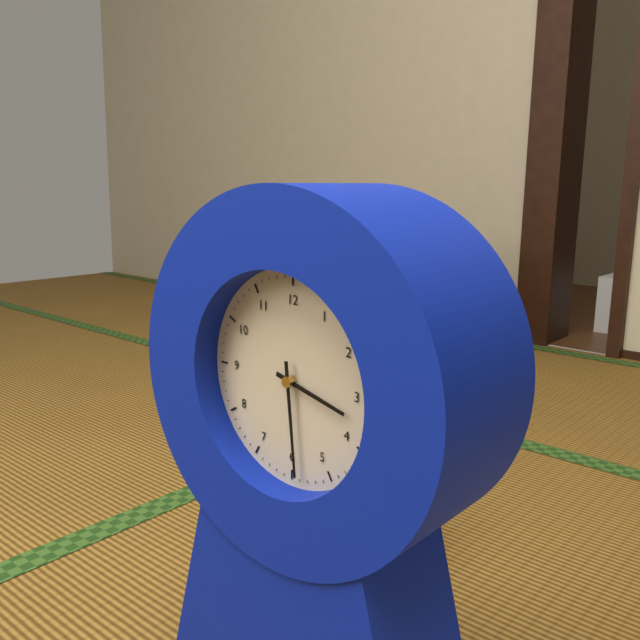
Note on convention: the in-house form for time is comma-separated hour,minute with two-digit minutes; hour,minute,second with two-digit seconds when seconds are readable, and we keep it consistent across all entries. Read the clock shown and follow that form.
3,29
